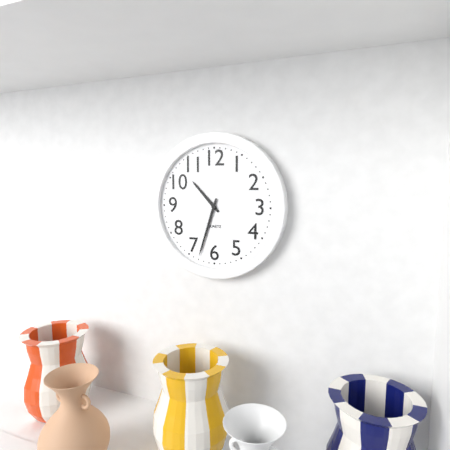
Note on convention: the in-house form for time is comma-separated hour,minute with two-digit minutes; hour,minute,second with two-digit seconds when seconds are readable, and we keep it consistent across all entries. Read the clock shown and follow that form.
10,33
